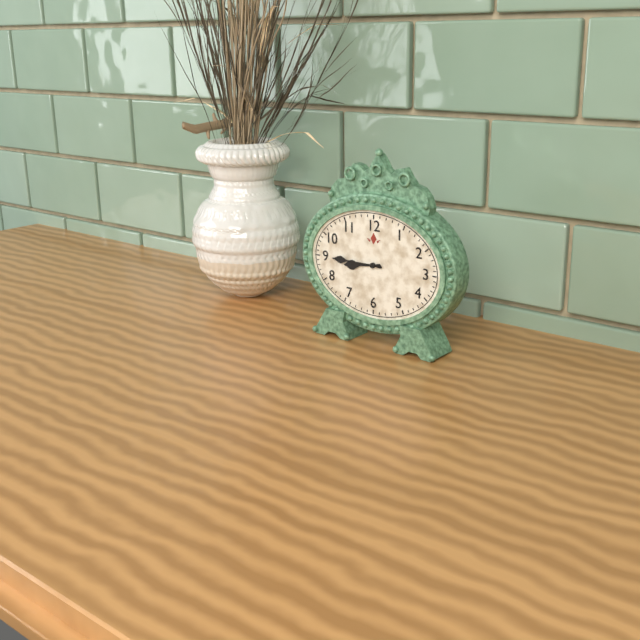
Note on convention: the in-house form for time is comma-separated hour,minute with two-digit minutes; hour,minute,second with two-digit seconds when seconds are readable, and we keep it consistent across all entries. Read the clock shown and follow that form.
8,45
